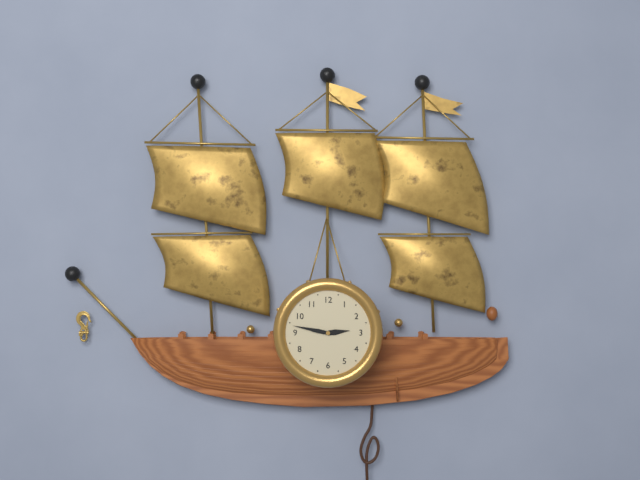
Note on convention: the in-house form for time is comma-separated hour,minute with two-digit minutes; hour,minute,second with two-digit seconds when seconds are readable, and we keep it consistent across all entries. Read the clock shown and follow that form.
2,47
